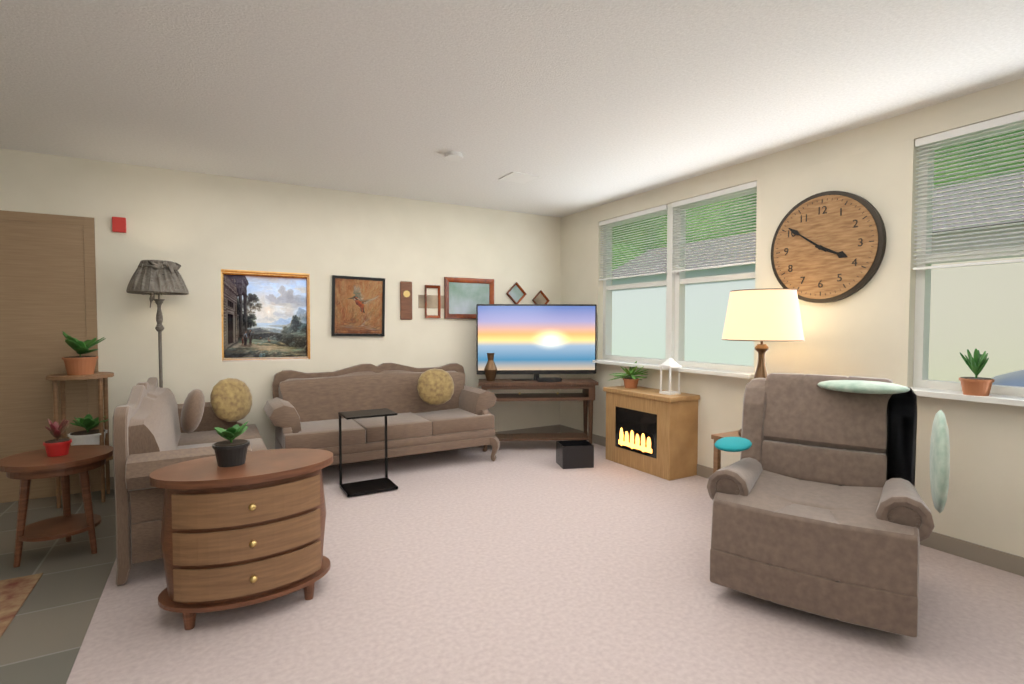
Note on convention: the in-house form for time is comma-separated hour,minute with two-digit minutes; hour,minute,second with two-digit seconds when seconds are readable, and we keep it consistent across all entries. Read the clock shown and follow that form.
3,51
